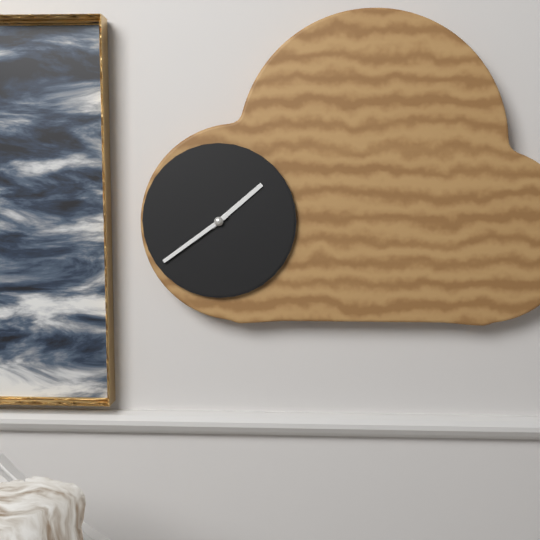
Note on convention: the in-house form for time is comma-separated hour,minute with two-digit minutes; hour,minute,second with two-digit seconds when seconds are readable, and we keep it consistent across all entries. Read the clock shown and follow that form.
1,39
